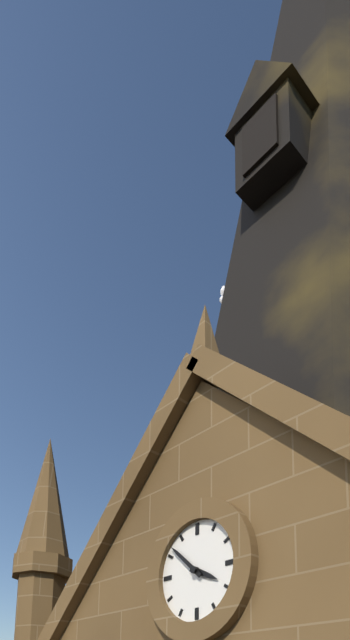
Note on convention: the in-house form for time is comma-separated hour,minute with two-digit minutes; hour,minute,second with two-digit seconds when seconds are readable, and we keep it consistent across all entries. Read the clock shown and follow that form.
3,52
